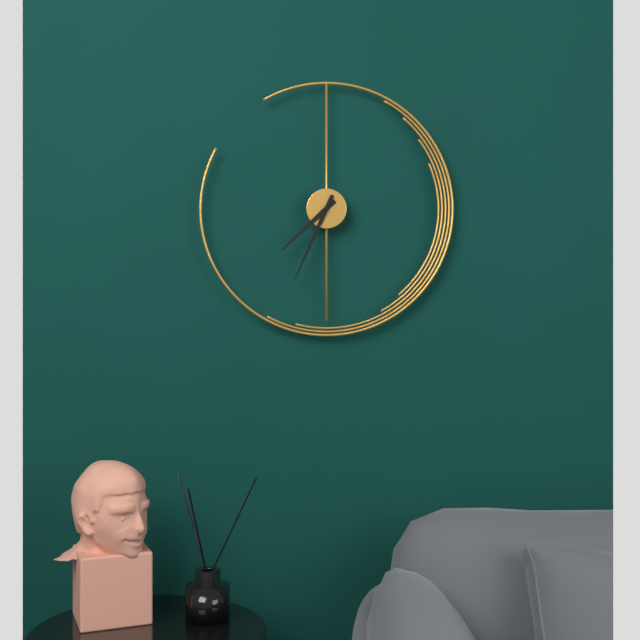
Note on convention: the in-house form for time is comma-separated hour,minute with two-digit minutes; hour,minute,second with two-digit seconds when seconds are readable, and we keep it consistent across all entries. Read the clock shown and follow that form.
7,34
